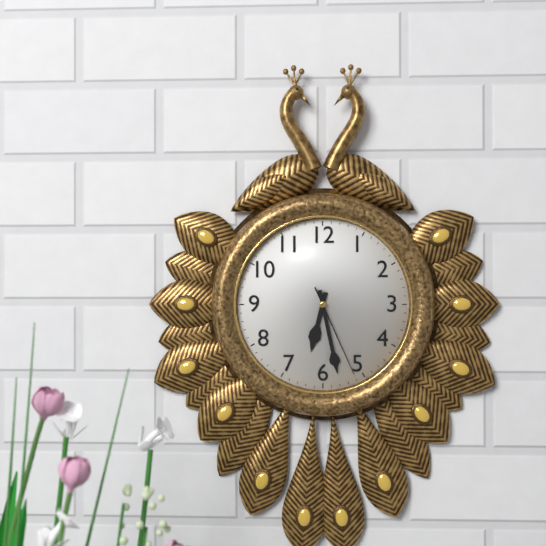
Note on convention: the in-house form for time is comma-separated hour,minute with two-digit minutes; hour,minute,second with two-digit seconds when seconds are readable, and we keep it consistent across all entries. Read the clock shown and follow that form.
6,28,26
